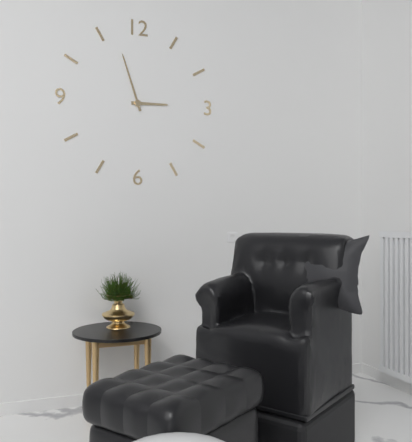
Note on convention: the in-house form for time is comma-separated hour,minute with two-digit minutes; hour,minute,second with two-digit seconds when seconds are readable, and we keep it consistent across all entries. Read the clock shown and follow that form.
2,57
